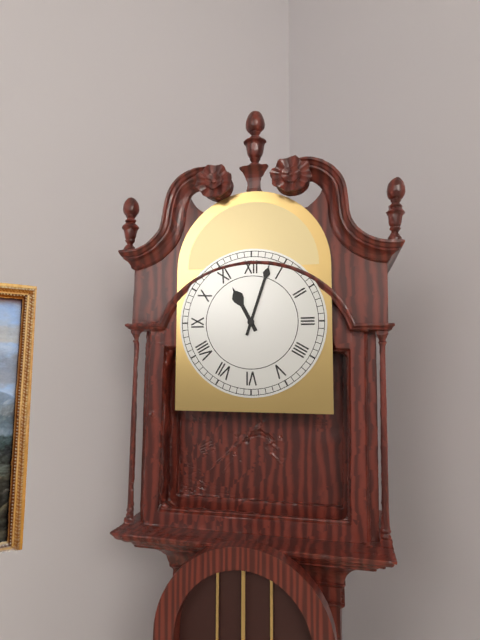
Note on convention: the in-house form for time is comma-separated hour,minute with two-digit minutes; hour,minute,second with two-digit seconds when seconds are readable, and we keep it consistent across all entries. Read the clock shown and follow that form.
11,03
